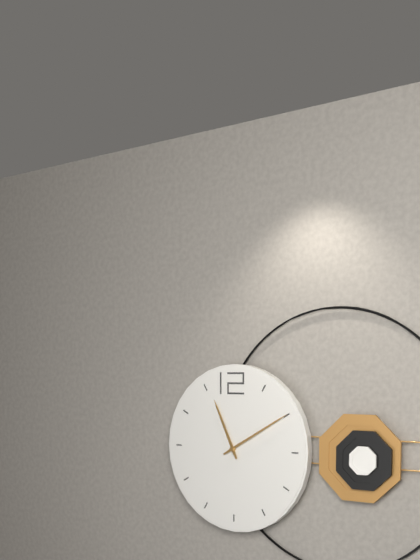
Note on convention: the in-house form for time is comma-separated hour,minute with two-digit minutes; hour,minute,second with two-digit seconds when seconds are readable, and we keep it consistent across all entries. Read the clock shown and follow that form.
11,10
